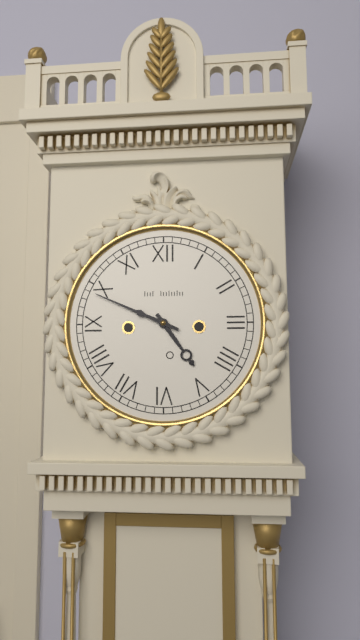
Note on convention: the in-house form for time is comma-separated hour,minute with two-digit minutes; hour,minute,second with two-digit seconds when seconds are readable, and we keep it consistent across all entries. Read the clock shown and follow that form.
4,49
